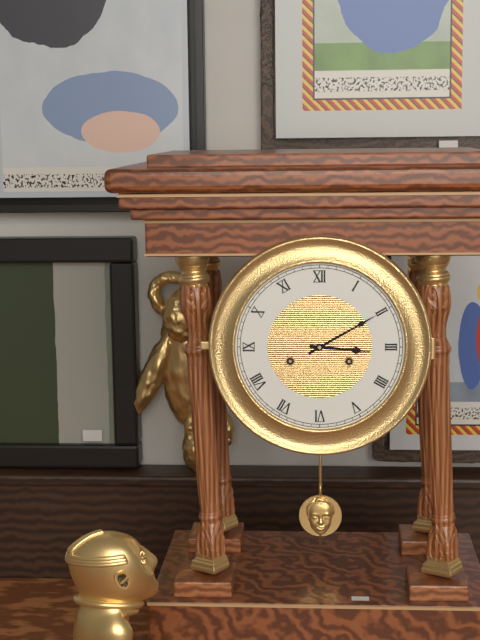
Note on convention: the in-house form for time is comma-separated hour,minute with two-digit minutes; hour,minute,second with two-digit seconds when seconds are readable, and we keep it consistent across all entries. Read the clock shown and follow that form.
3,10
